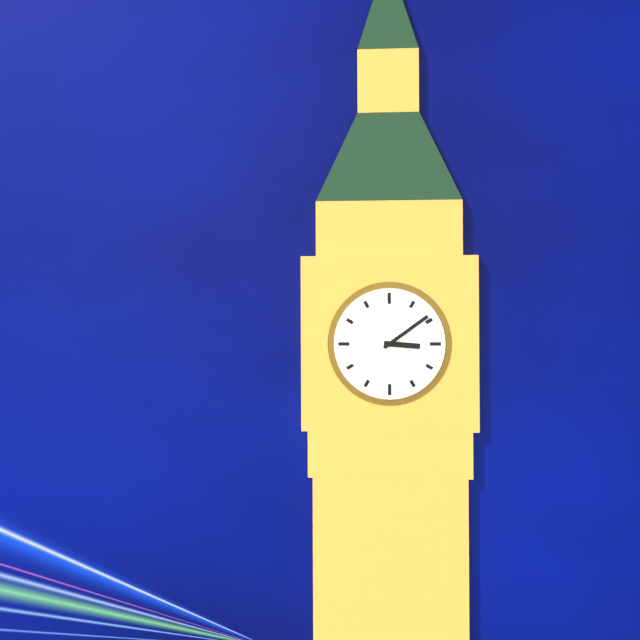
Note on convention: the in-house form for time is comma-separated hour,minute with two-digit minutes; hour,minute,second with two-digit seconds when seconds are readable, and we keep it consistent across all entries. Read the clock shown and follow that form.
3,09
